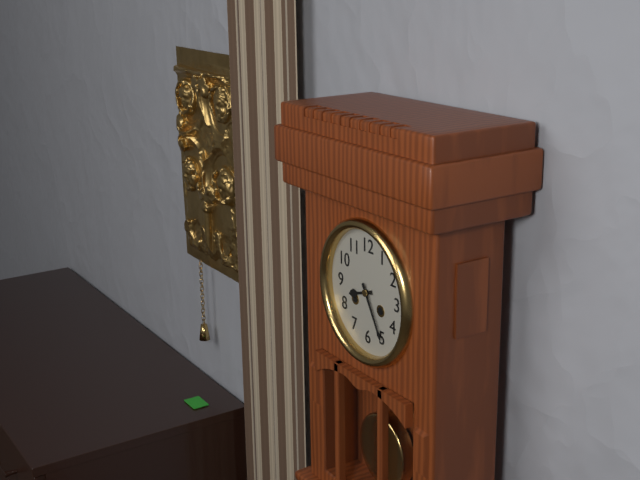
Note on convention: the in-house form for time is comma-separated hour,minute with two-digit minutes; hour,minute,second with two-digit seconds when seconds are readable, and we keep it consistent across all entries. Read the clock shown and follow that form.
8,25
